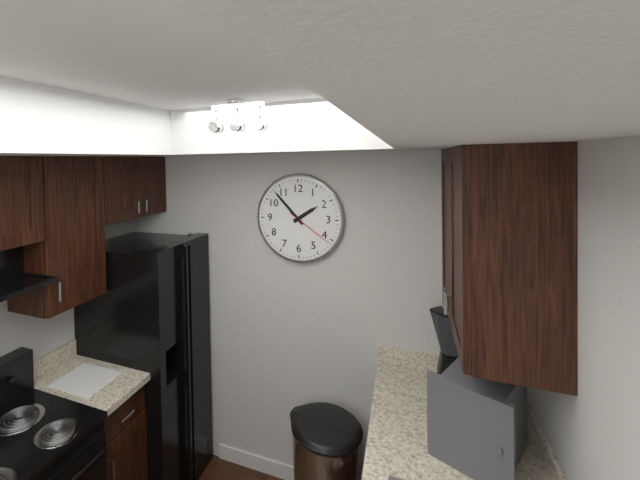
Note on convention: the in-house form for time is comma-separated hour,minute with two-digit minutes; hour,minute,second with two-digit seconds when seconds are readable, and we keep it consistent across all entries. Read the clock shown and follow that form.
1,53
